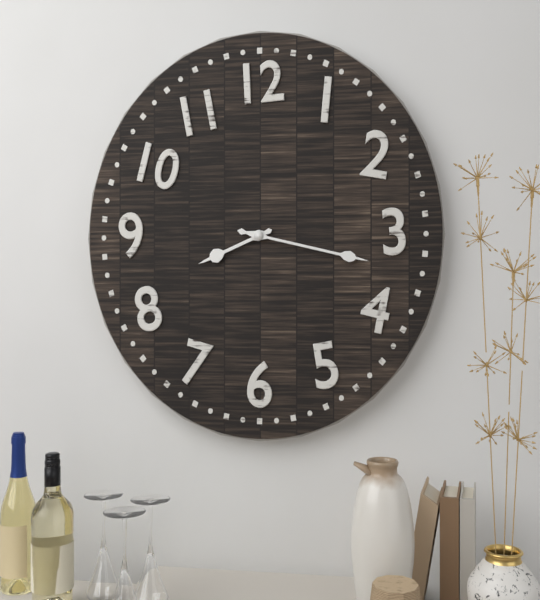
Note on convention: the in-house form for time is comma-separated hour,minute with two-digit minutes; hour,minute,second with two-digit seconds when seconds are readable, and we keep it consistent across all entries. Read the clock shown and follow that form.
8,17
